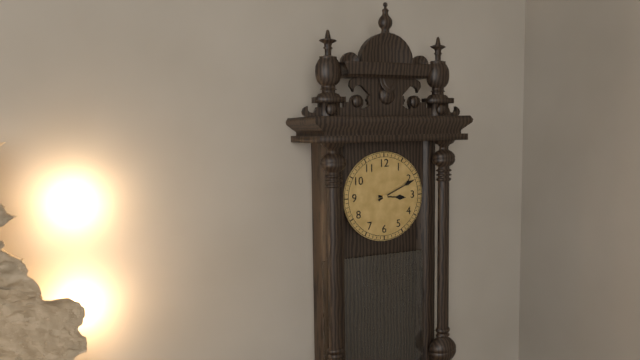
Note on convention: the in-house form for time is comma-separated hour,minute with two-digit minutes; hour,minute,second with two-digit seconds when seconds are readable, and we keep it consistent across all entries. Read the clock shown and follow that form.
3,11
